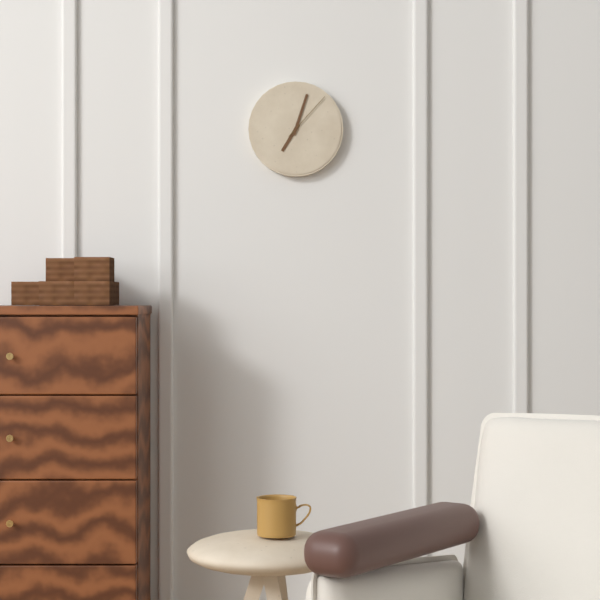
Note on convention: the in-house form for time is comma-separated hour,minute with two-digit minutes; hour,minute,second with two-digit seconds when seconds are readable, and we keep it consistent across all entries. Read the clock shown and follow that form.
7,03,07
